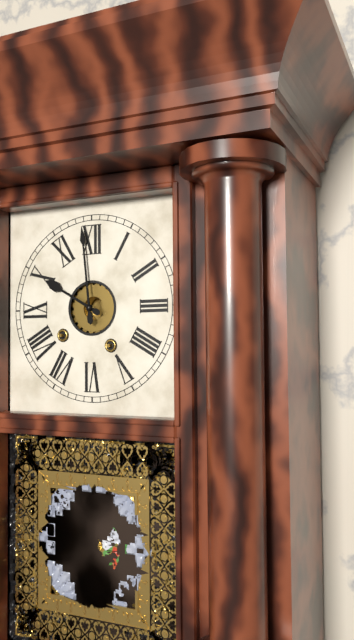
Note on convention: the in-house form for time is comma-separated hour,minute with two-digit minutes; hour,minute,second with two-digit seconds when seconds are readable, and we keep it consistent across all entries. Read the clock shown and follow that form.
9,59
